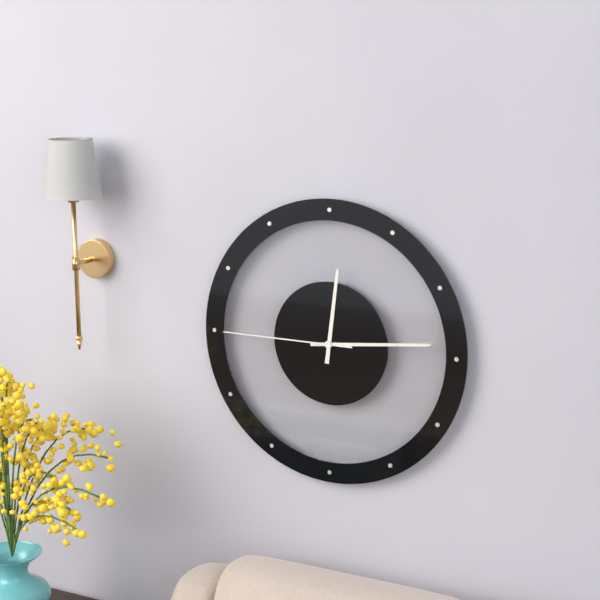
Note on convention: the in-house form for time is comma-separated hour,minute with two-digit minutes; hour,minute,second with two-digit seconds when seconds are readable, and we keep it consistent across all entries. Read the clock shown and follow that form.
12,14,45
